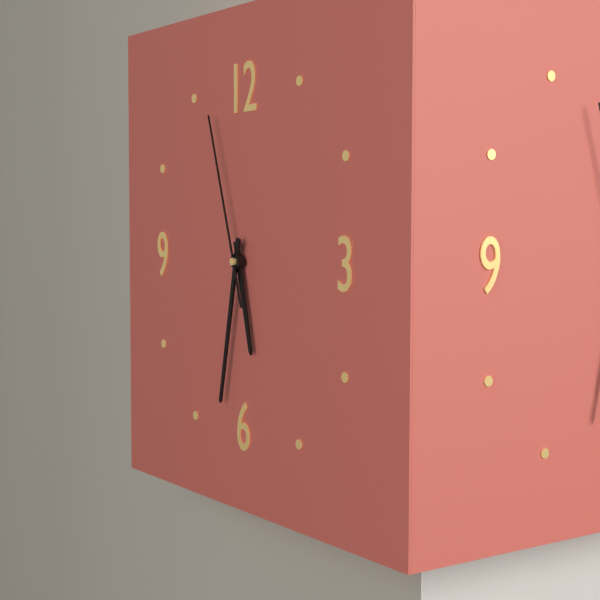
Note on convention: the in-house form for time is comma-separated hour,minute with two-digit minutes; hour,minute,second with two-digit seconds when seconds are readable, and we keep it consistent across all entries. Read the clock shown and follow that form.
5,32,57
